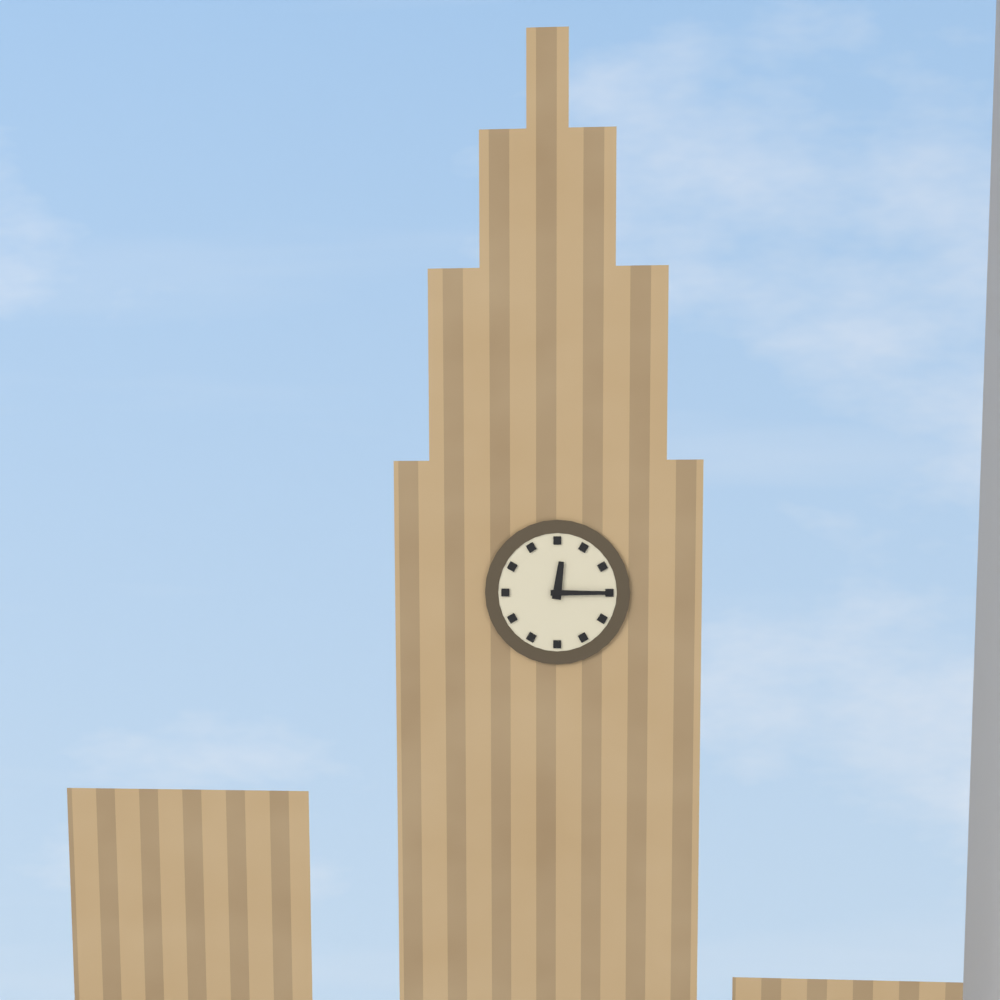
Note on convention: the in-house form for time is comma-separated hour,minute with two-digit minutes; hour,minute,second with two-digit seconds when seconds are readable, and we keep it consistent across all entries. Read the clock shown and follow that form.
12,15
